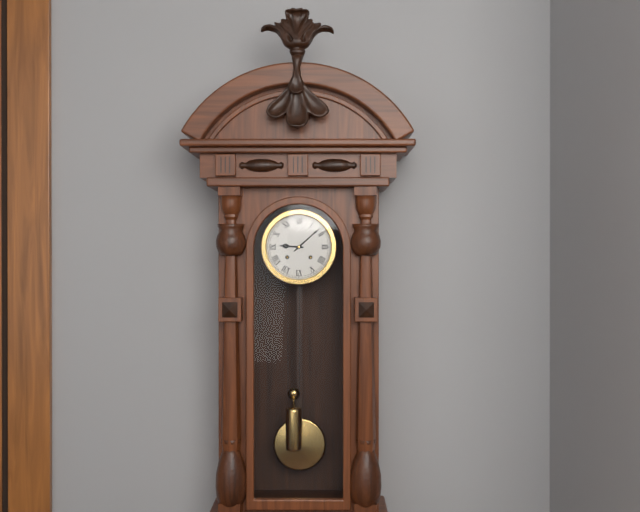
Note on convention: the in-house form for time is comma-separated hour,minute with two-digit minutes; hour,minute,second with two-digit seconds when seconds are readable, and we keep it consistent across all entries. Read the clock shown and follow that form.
9,08
